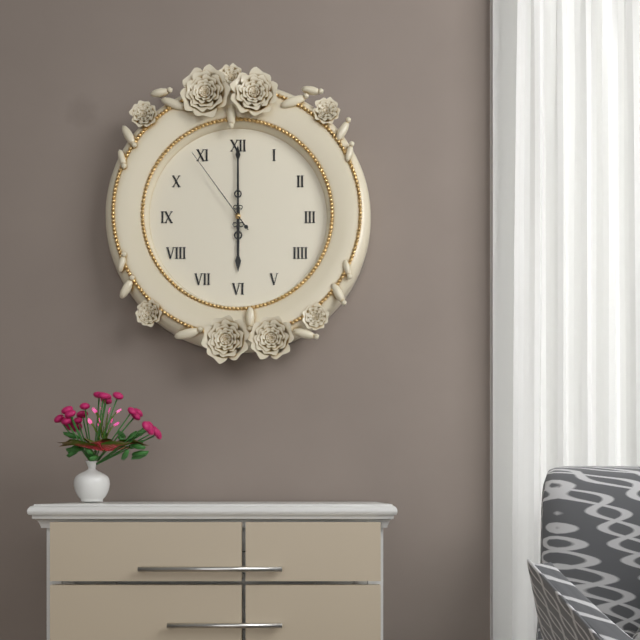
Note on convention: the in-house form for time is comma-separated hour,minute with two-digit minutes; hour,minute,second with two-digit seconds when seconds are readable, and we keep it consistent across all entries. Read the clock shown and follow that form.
6,00,54
